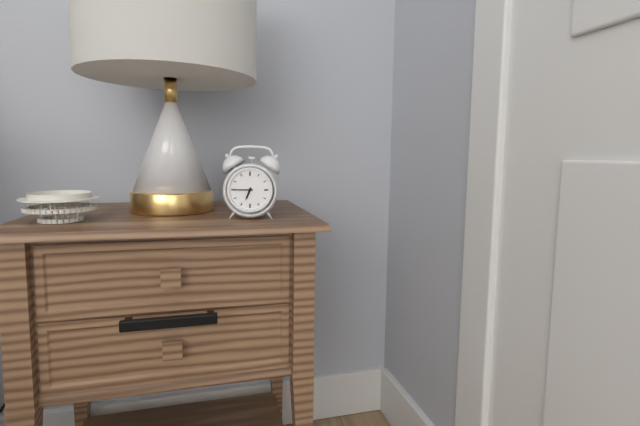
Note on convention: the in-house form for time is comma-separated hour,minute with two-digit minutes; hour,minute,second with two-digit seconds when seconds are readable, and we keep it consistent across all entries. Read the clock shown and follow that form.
6,45
